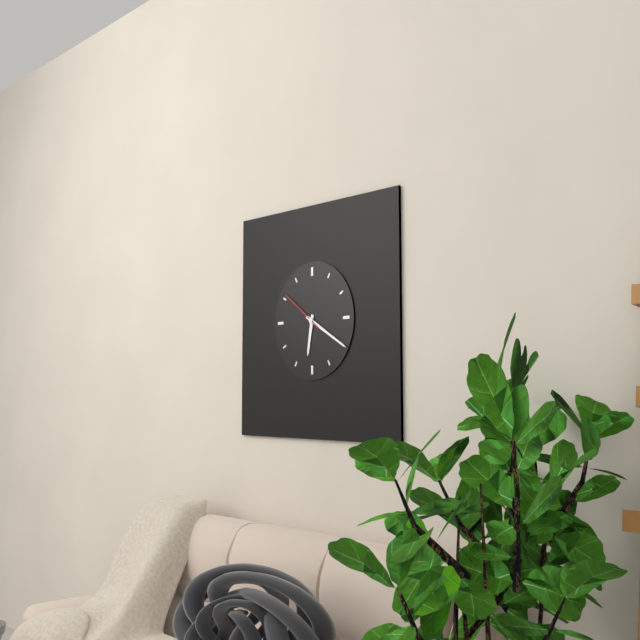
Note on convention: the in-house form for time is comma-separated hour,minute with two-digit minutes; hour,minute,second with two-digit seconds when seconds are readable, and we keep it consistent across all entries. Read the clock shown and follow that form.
6,20
